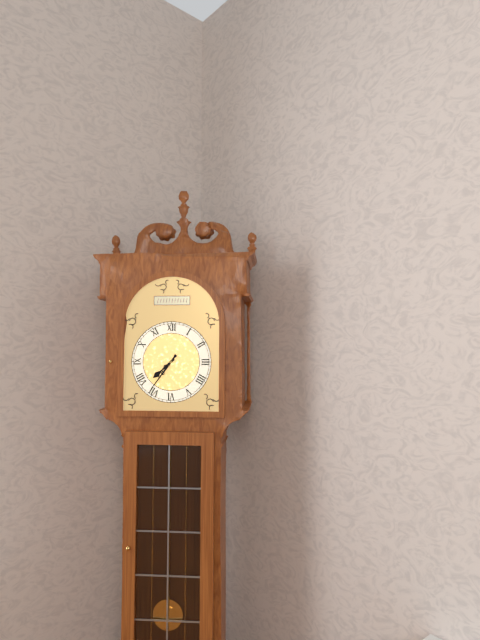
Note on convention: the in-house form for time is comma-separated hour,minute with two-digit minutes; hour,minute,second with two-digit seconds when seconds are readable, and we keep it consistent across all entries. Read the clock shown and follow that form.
7,36
